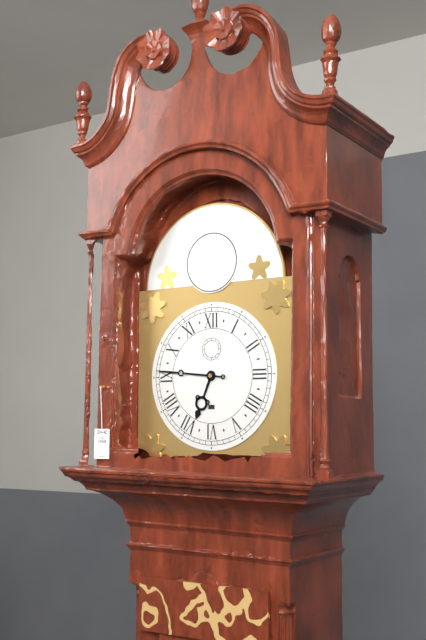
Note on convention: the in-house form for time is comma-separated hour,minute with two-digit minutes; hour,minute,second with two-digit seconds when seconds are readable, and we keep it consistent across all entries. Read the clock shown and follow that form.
6,46
